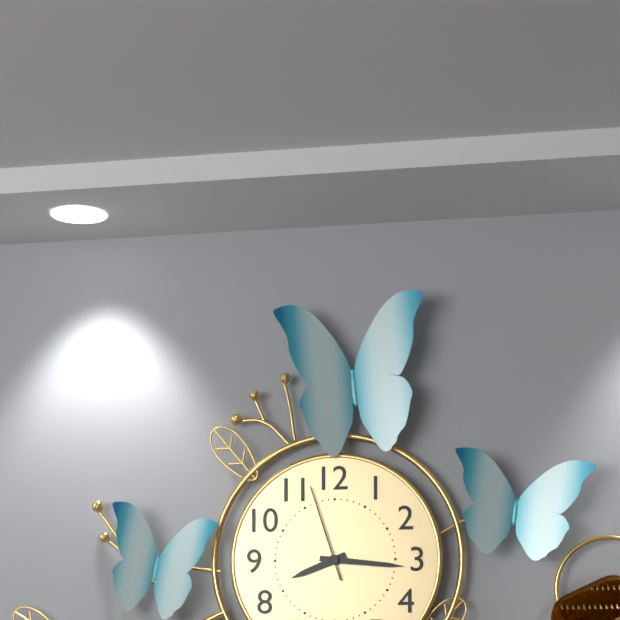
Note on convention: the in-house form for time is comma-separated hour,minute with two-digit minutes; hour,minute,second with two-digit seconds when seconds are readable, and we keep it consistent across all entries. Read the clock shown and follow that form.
8,16,57
